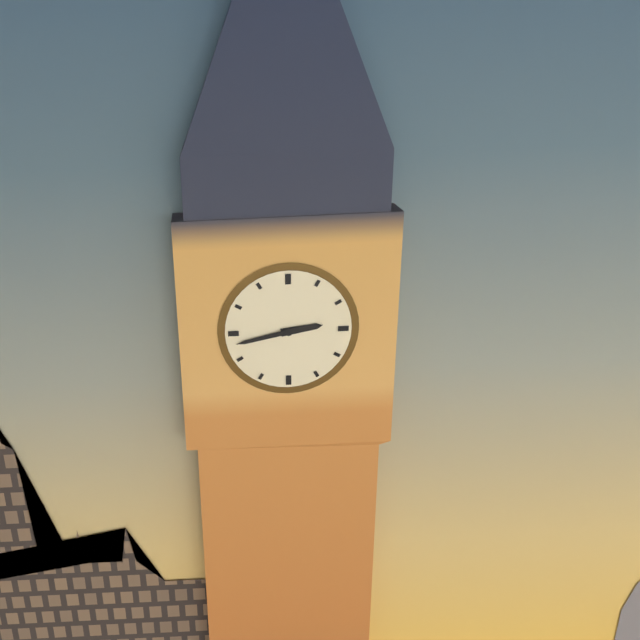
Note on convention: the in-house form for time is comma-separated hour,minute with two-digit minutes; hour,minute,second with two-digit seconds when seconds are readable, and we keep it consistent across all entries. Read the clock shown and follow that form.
2,43
